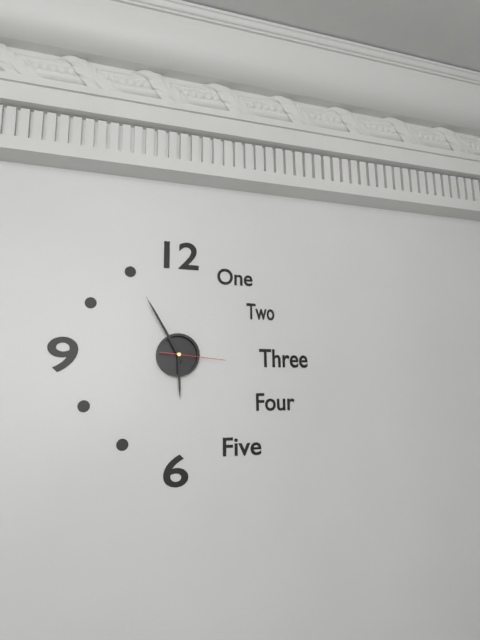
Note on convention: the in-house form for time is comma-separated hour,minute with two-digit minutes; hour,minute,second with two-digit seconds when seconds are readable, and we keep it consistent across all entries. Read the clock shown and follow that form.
5,55,16
